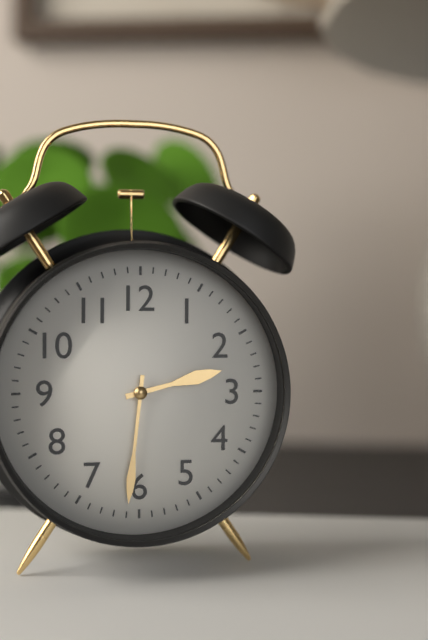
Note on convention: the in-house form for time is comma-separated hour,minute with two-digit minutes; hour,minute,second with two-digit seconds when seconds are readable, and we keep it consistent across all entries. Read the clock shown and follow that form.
2,31
